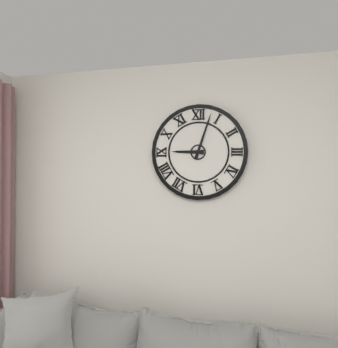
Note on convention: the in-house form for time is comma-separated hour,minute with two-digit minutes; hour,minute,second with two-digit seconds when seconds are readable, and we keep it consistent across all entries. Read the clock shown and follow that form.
9,03
